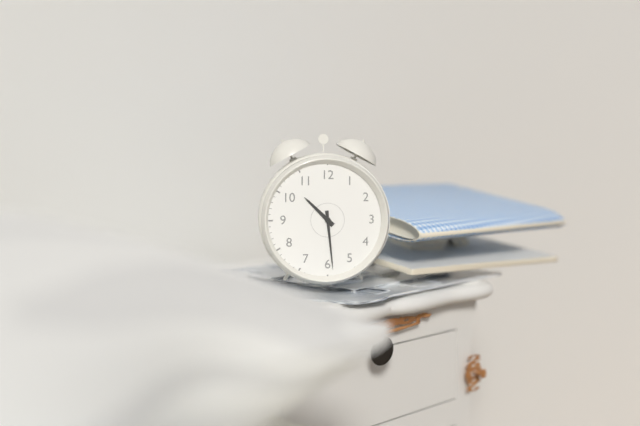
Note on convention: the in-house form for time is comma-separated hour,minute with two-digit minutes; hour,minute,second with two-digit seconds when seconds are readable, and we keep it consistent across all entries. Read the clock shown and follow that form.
10,29
